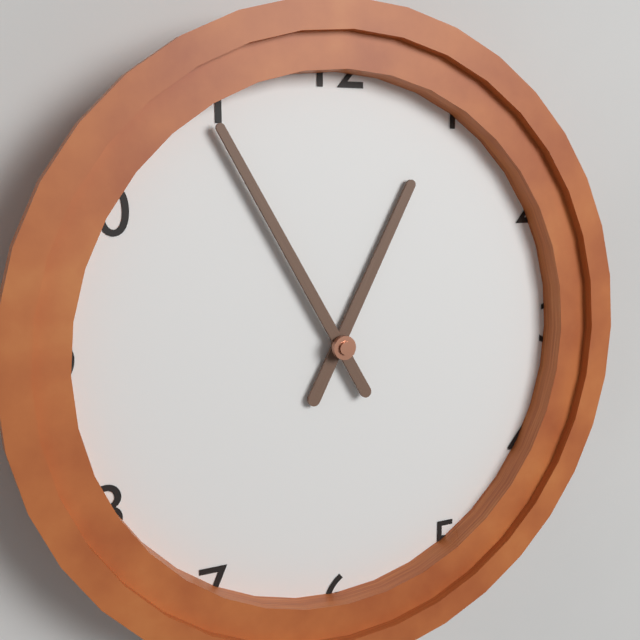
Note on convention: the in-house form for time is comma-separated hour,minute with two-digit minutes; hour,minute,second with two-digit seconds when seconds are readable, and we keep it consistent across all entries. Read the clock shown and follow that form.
12,55
